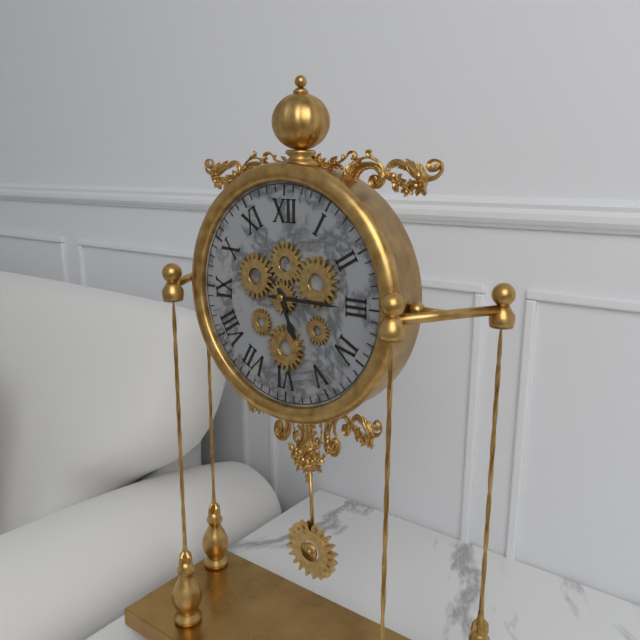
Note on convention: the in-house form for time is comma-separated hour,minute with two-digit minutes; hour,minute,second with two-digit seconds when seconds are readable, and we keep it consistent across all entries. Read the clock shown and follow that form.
5,15
